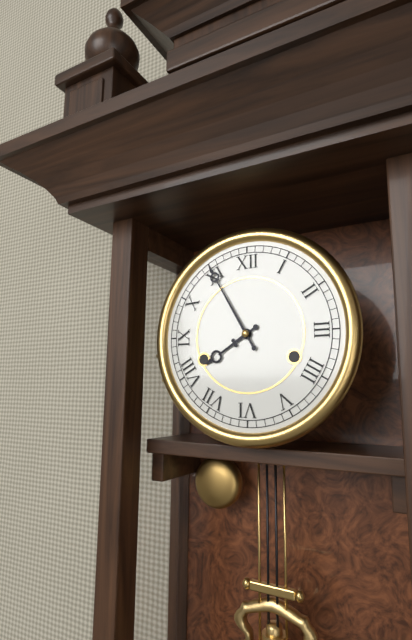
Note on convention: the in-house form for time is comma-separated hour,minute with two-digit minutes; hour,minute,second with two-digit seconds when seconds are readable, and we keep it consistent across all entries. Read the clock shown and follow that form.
7,55
